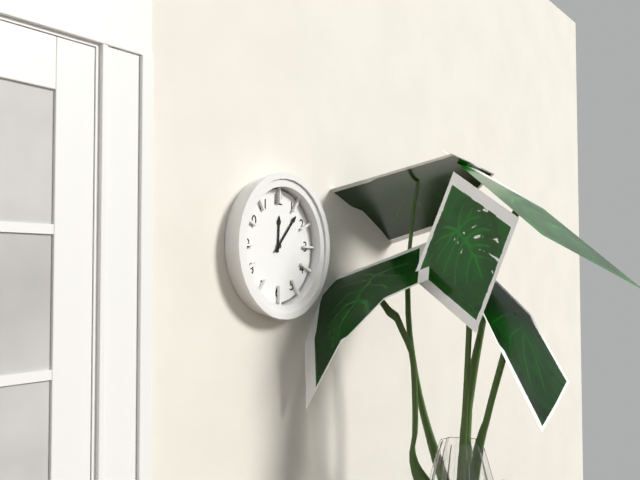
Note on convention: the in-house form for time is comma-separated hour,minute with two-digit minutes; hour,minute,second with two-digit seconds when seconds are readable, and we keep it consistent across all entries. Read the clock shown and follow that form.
12,07
